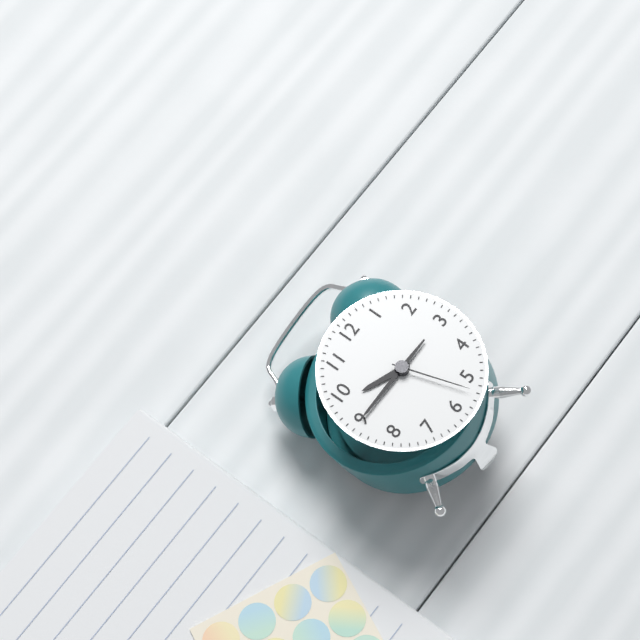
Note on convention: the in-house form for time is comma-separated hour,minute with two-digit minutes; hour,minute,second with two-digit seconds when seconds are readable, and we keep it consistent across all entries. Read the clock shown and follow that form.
9,45,27
